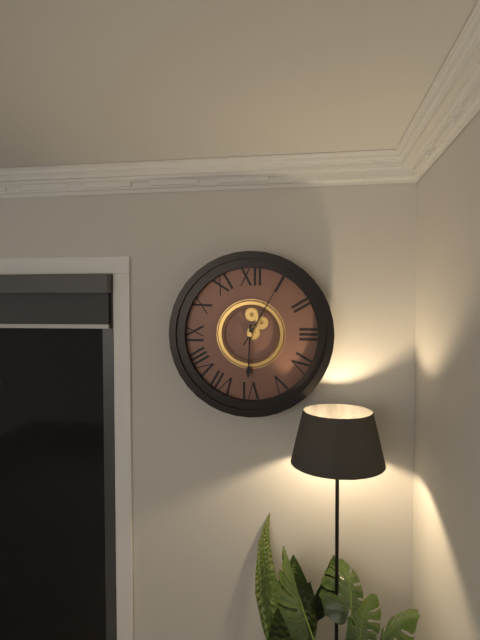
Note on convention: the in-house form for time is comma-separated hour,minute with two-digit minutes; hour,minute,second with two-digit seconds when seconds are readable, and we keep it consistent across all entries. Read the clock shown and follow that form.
6,05
